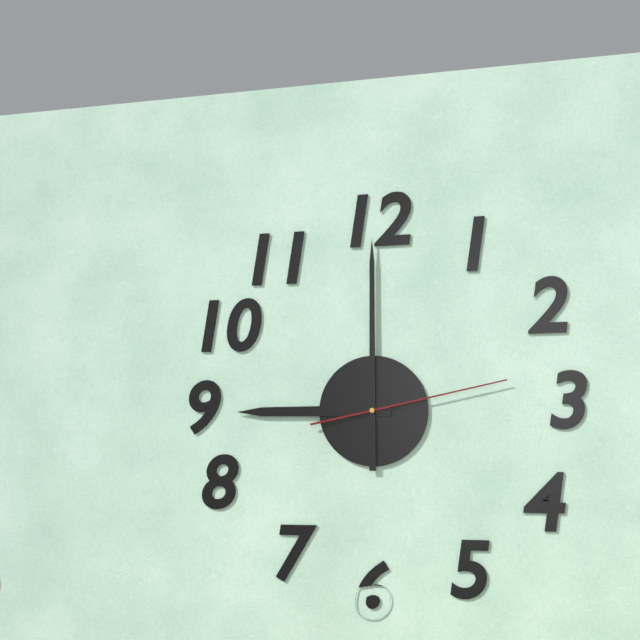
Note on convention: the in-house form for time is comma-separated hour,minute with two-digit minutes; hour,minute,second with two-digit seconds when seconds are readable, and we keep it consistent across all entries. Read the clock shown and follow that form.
9,00,13
